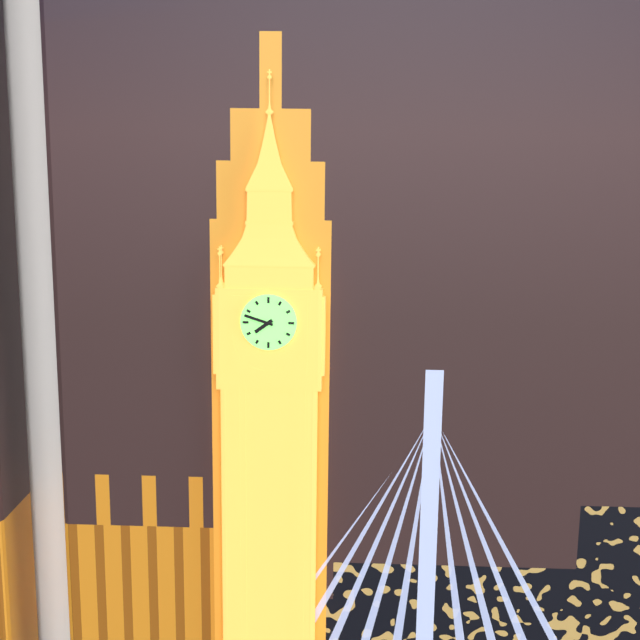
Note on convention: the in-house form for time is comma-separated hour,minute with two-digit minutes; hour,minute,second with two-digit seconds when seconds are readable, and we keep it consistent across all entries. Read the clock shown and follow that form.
7,48
